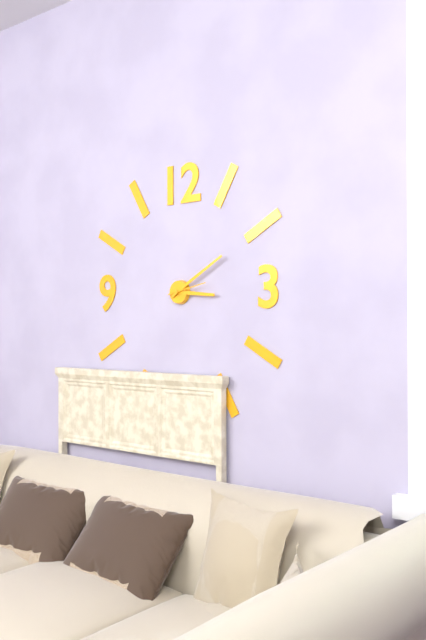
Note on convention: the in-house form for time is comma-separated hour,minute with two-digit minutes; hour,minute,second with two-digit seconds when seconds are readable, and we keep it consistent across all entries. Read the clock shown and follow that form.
3,10
